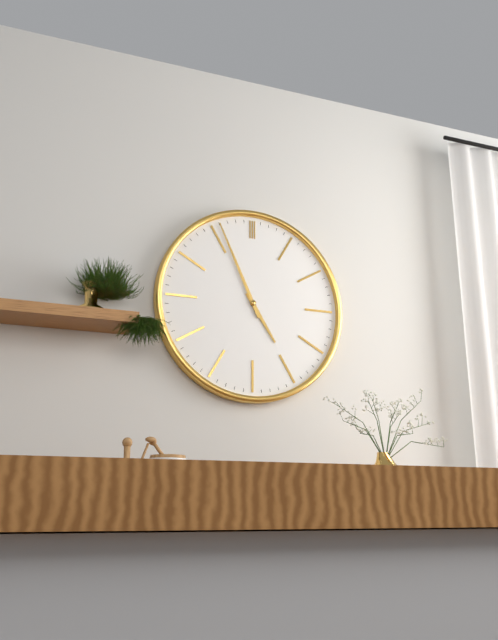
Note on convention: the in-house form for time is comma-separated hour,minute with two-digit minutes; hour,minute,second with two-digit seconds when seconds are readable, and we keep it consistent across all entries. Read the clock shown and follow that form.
4,56
